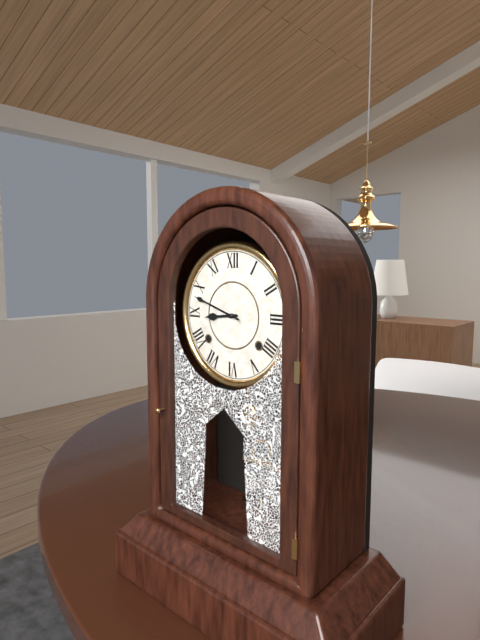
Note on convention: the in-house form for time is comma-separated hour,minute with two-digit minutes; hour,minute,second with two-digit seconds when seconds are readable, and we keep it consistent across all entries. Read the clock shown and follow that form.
8,48
